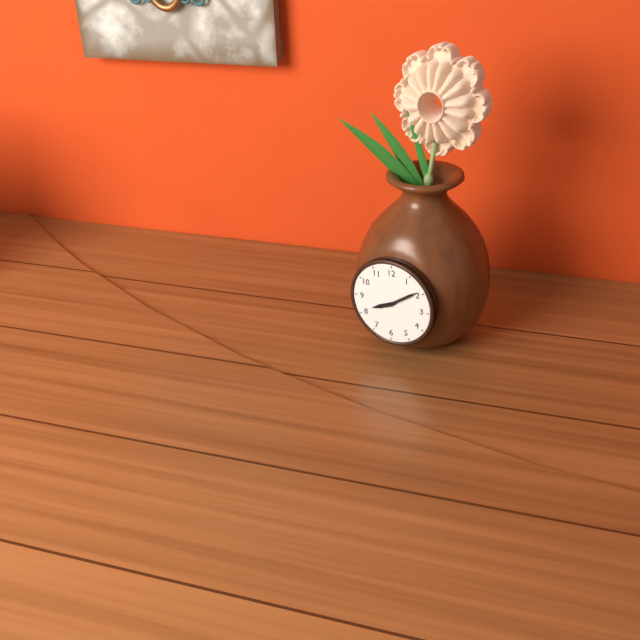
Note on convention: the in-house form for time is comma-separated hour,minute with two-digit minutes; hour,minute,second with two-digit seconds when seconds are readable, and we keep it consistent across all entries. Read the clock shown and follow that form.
8,09
